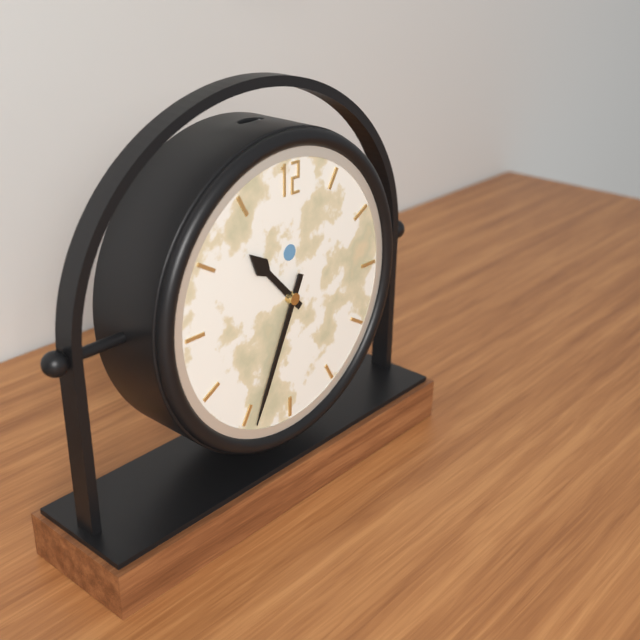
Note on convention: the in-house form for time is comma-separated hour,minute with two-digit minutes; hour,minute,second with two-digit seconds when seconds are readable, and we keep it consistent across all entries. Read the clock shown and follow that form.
10,34
